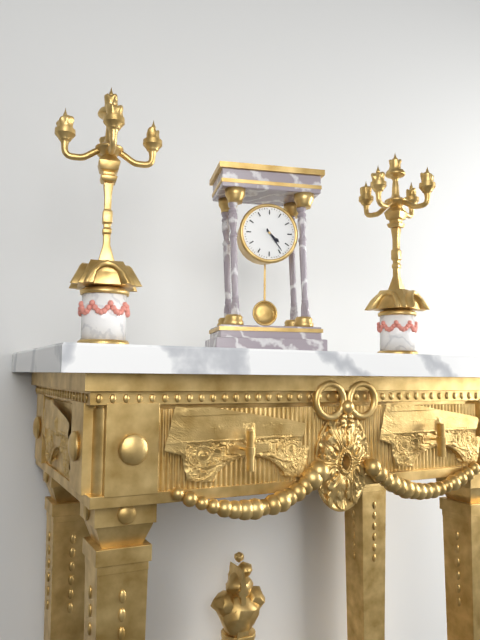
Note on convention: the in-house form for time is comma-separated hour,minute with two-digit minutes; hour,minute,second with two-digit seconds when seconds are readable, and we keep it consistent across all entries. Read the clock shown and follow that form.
4,24
